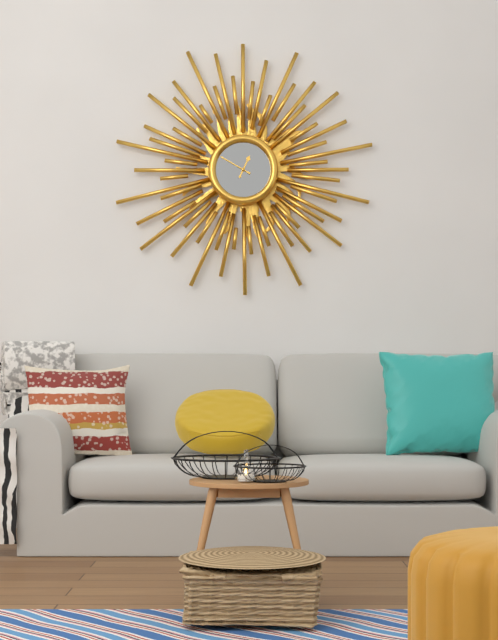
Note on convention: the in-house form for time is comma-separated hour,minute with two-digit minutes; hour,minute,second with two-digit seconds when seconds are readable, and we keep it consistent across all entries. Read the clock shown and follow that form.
12,50
